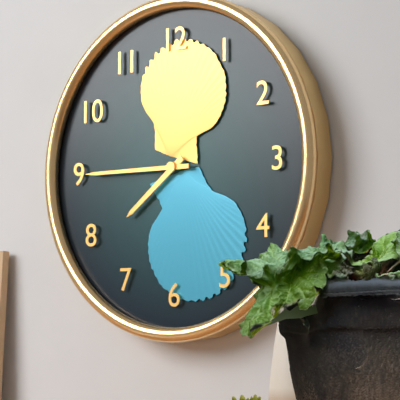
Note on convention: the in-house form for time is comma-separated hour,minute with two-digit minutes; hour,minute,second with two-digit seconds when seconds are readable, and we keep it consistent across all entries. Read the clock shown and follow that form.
7,45
